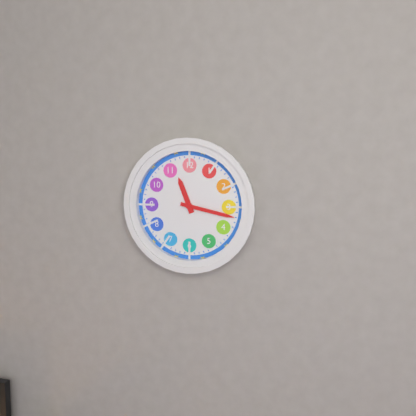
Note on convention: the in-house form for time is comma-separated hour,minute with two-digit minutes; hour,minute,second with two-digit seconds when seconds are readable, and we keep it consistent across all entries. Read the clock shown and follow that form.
11,17
